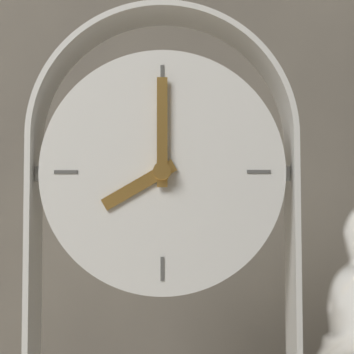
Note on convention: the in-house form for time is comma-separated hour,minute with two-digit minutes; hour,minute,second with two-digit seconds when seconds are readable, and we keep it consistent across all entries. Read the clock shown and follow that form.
8,00
